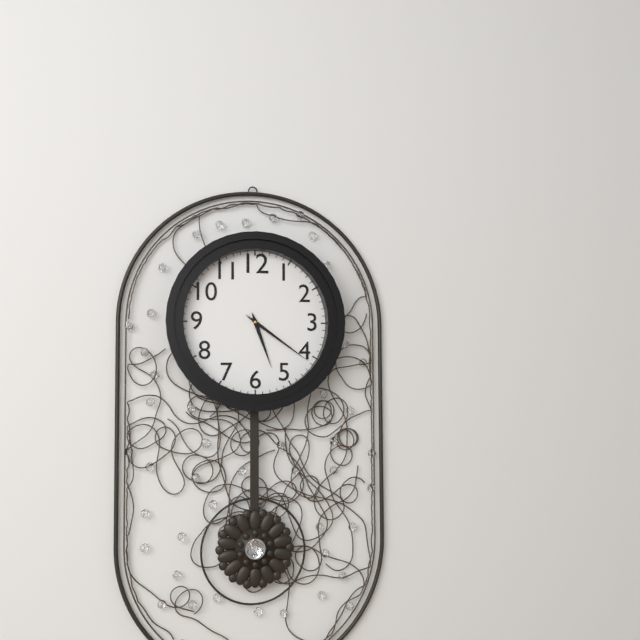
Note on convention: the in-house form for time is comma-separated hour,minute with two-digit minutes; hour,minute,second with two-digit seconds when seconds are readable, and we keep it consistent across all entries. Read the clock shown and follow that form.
5,21
